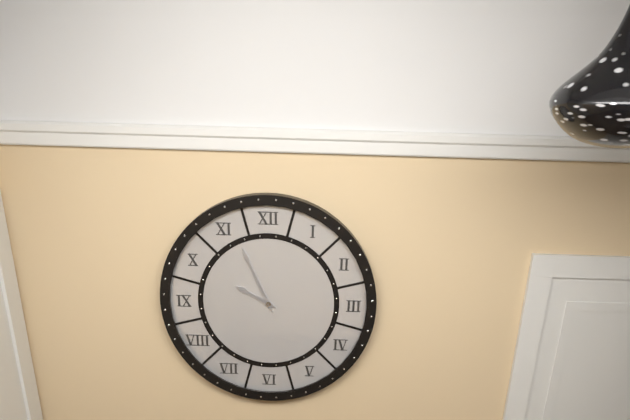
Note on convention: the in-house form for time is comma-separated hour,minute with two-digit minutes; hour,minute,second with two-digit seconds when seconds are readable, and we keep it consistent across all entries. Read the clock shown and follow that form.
9,56
